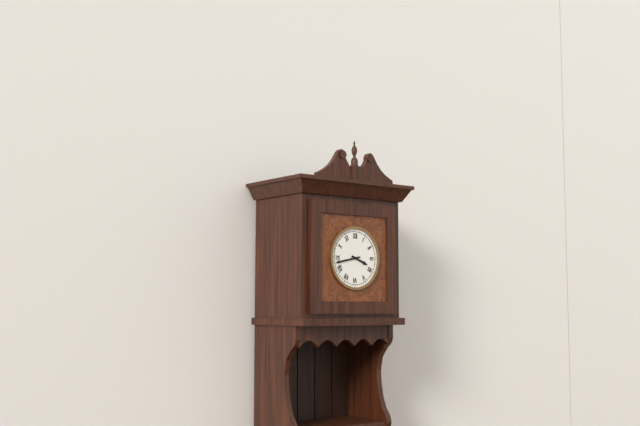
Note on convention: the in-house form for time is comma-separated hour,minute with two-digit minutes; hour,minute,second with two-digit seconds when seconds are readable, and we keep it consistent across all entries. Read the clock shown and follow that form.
3,43
